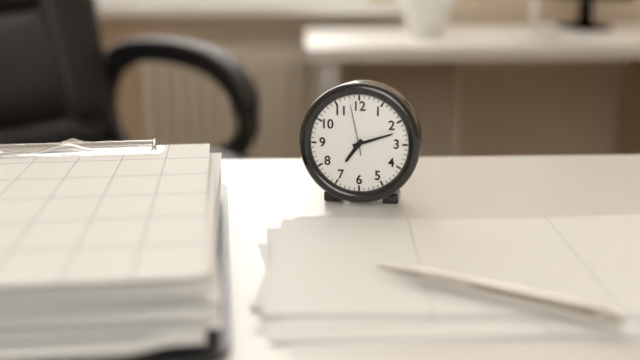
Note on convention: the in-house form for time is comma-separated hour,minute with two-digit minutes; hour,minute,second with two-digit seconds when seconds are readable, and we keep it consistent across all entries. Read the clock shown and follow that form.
7,12
